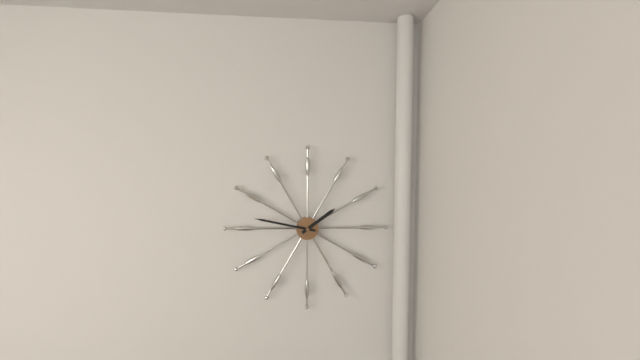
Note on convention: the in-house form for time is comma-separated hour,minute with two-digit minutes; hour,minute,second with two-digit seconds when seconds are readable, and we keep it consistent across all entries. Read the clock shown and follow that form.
1,47
